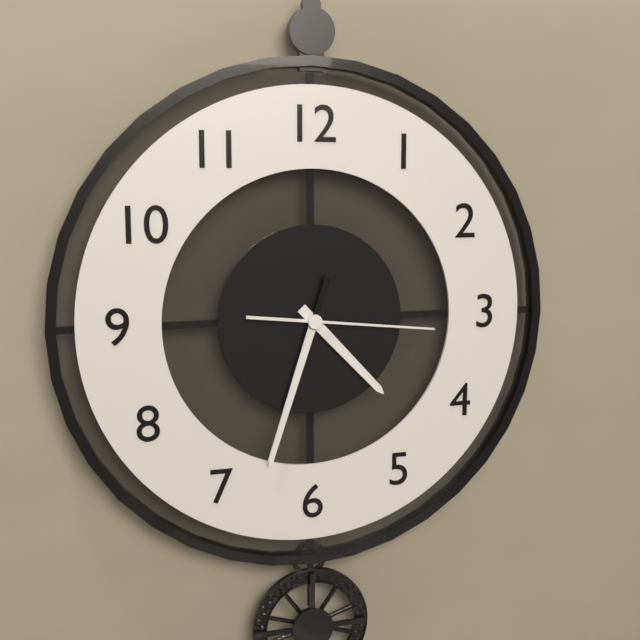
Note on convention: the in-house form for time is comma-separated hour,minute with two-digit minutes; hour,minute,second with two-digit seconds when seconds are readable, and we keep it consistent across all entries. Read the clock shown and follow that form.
4,33,16
